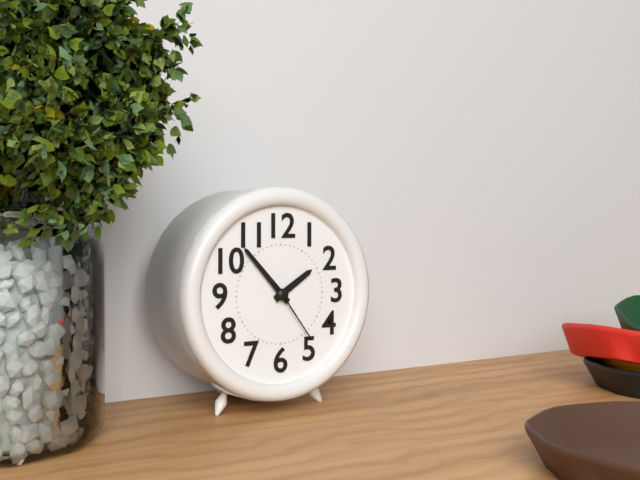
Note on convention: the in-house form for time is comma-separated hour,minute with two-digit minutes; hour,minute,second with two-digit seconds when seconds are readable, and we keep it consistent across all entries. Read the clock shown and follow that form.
1,53,24
